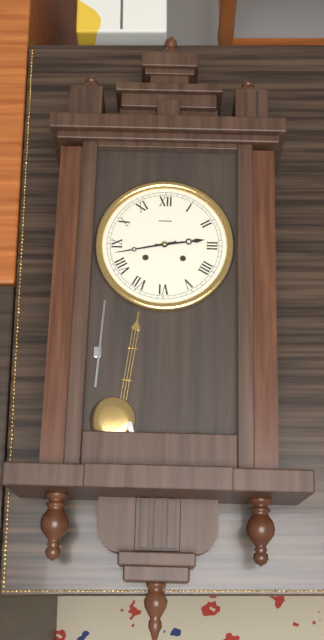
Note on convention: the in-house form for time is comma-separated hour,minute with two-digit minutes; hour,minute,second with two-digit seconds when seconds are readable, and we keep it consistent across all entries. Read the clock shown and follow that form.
2,43
